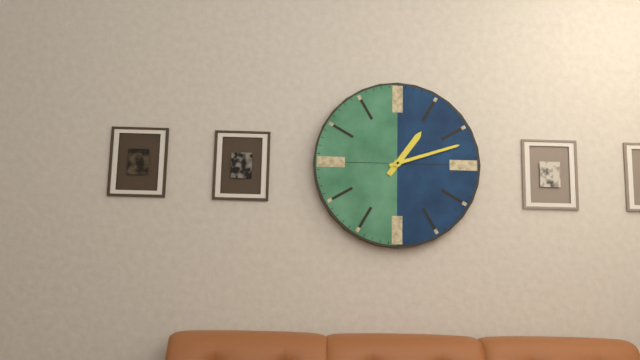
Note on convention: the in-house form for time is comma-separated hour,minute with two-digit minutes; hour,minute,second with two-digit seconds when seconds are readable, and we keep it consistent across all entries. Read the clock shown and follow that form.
1,12
